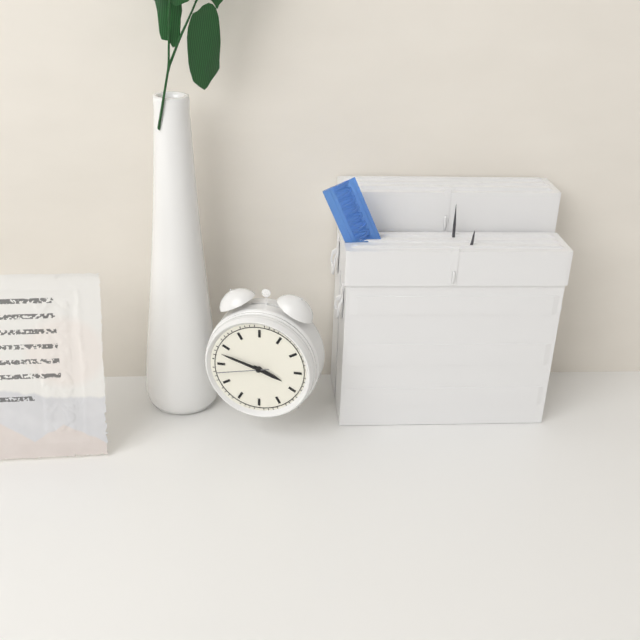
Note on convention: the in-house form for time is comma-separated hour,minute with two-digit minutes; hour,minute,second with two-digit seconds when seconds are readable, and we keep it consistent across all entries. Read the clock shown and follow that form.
3,48,43
